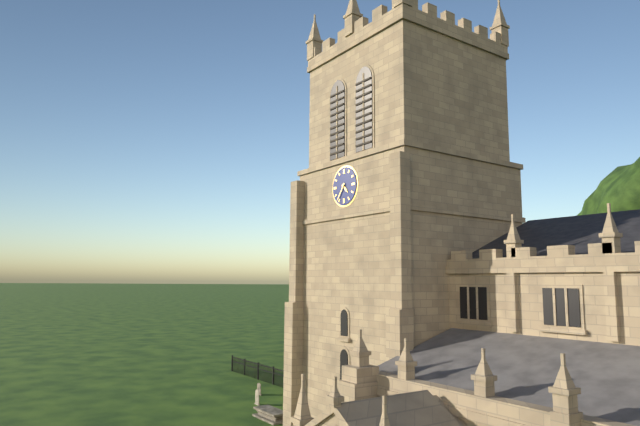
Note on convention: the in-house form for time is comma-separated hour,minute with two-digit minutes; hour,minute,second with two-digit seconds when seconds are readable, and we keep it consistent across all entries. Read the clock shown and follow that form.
4,36
